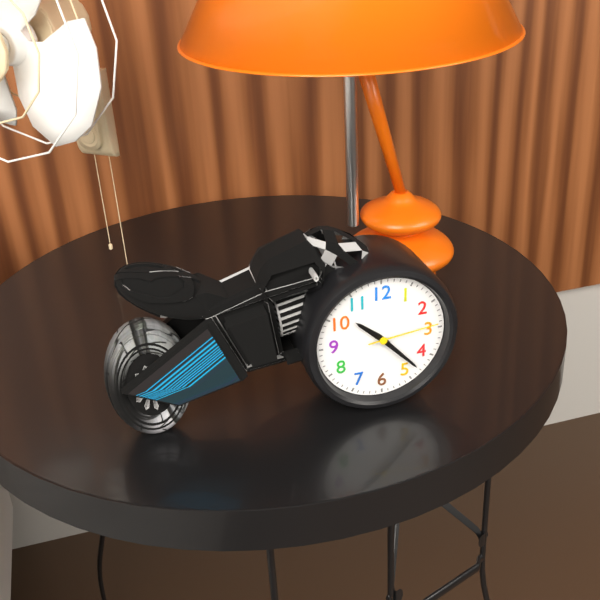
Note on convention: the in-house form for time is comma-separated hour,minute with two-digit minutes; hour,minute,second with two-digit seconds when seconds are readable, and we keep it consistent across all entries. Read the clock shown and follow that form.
10,23,14
